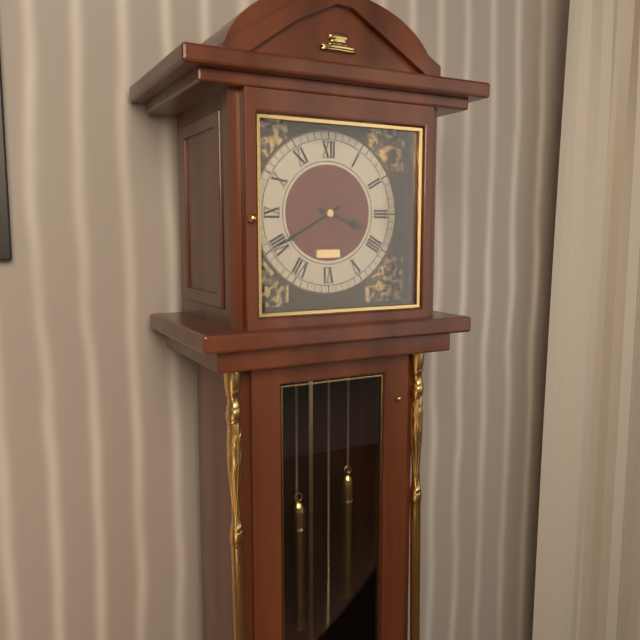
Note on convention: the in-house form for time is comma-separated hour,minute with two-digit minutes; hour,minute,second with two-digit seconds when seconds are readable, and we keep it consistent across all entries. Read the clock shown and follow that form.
3,40
